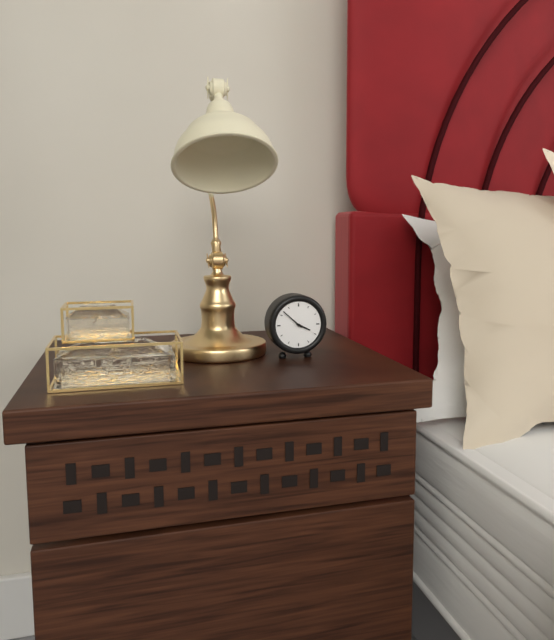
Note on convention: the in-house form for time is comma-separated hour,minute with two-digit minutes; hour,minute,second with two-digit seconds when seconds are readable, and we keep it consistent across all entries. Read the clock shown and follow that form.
3,52
